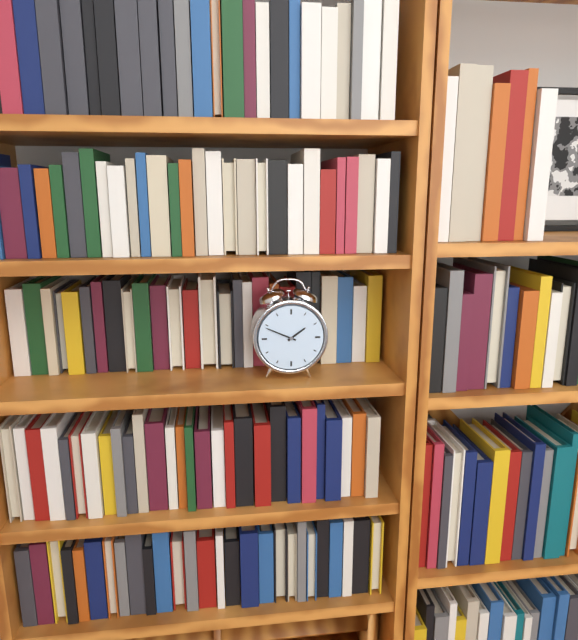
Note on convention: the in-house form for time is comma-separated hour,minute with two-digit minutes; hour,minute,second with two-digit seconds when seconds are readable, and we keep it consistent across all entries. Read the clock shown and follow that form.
1,49
